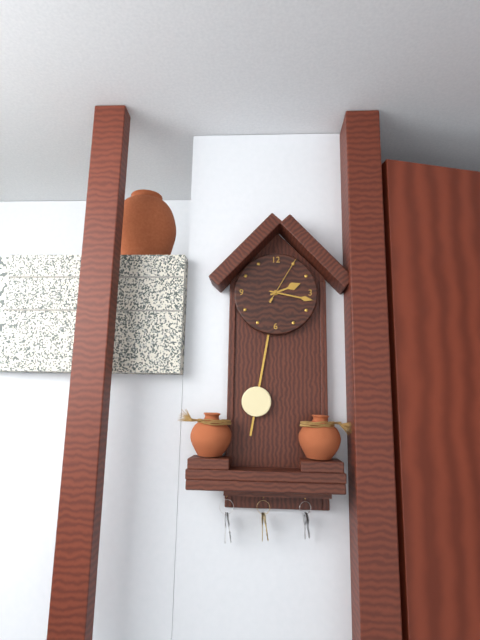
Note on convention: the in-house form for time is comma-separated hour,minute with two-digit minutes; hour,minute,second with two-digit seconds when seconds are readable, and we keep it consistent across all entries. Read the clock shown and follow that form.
2,17
